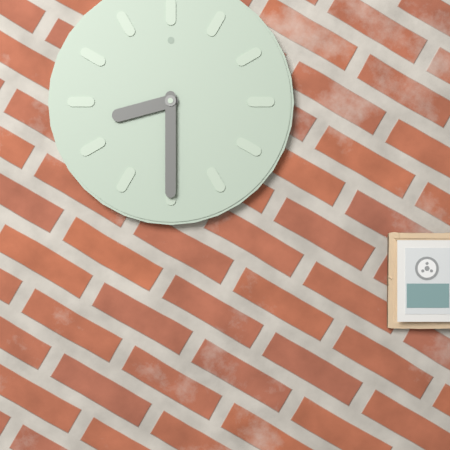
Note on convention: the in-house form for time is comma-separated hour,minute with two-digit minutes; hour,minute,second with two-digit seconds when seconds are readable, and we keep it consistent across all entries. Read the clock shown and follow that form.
8,30
